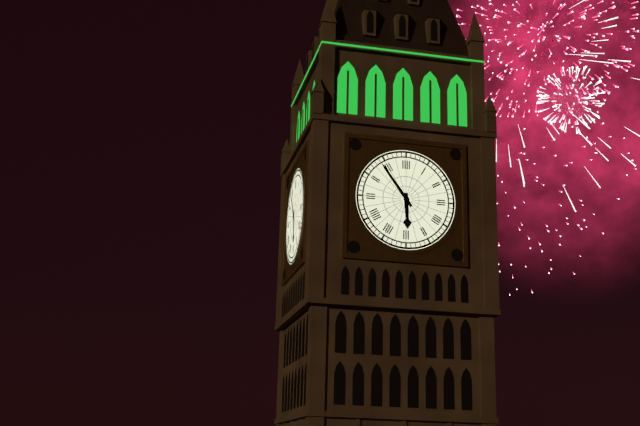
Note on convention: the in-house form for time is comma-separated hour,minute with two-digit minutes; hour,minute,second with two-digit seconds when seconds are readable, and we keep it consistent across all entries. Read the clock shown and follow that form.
5,54
